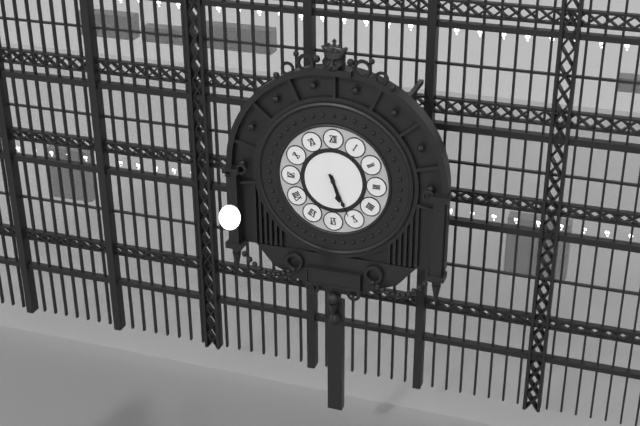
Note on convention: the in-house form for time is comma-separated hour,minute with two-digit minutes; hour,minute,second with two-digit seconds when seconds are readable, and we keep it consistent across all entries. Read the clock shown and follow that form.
5,26
